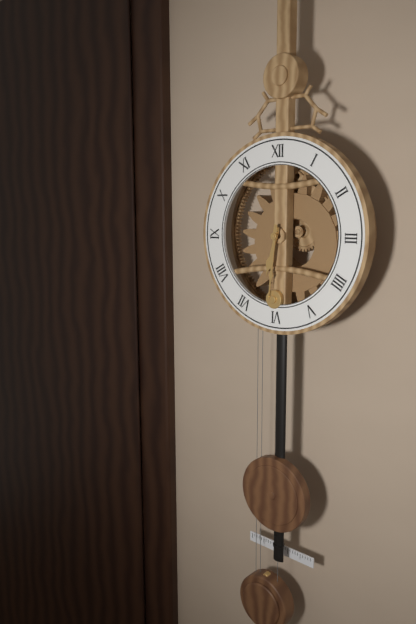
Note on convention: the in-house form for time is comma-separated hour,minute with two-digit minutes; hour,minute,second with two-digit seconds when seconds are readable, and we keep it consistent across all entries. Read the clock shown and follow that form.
6,31
